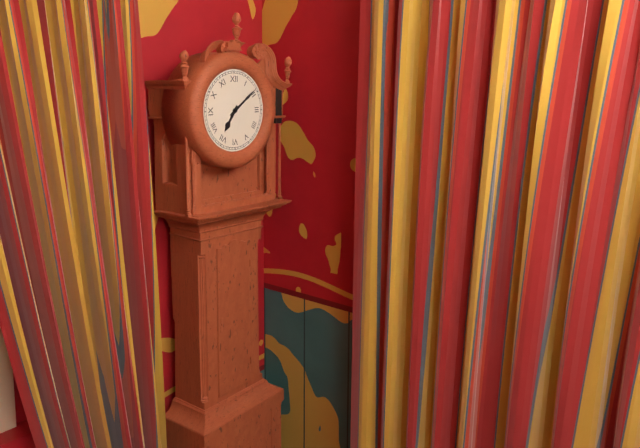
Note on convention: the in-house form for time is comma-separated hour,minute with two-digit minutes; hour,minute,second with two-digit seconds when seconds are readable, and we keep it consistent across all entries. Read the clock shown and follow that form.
7,09
